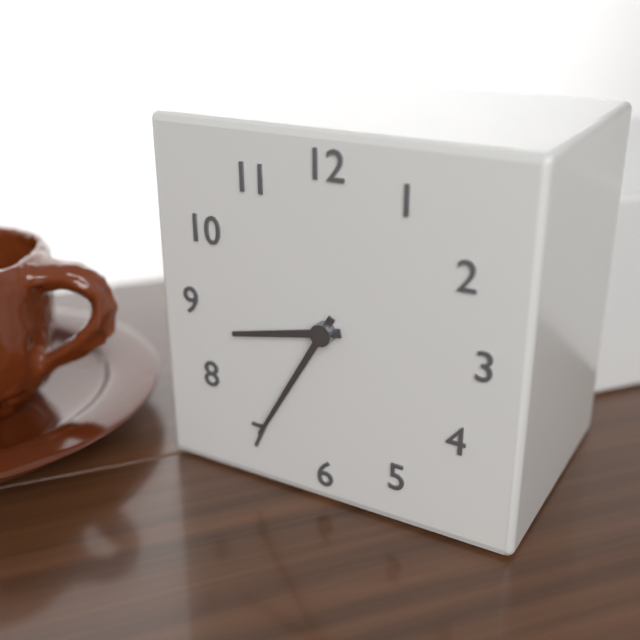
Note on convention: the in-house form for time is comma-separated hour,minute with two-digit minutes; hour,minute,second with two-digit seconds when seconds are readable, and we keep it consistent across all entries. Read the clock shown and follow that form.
8,35
